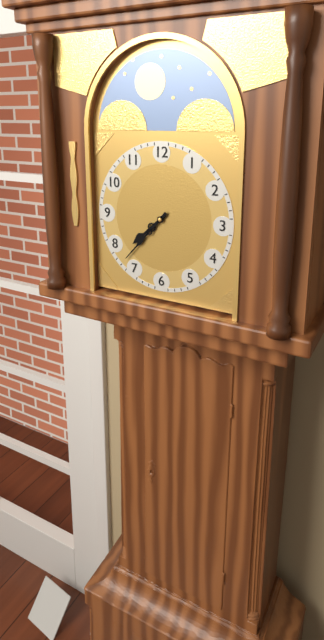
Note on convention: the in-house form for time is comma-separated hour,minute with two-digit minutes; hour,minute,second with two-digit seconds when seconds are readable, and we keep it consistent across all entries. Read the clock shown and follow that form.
7,37
